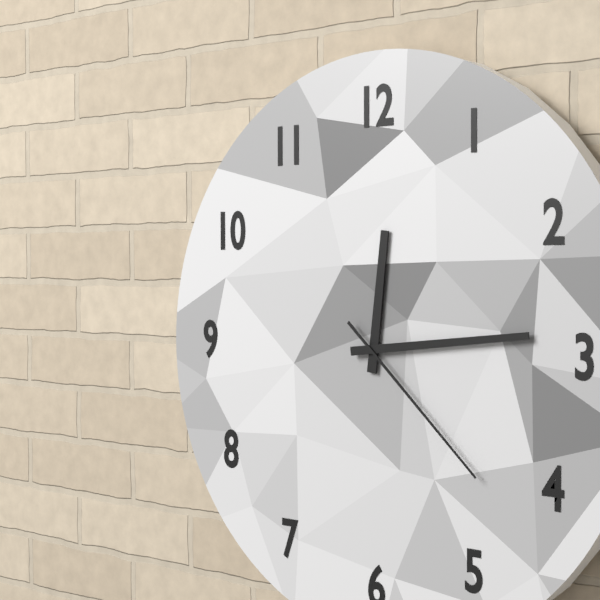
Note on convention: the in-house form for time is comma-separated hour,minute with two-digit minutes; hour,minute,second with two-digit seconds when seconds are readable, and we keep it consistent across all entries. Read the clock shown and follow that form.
12,14,22
